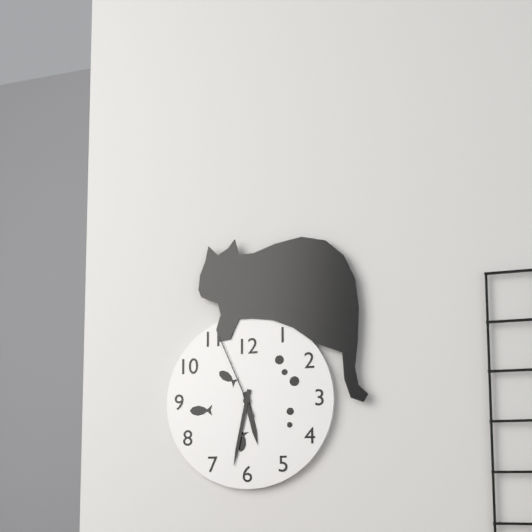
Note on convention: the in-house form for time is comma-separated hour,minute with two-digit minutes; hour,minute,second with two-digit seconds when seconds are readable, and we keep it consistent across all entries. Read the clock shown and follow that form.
5,32,56
